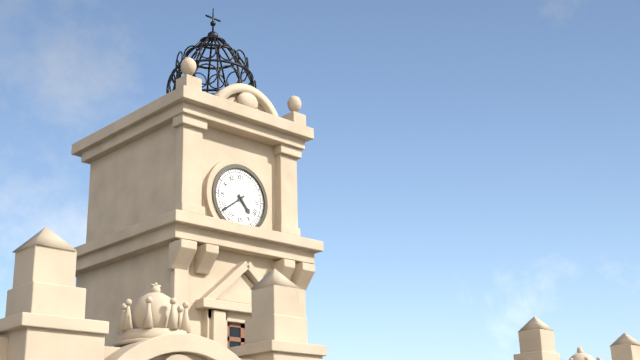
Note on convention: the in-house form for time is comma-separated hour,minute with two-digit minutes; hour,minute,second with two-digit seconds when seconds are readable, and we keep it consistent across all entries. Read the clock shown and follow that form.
4,39
